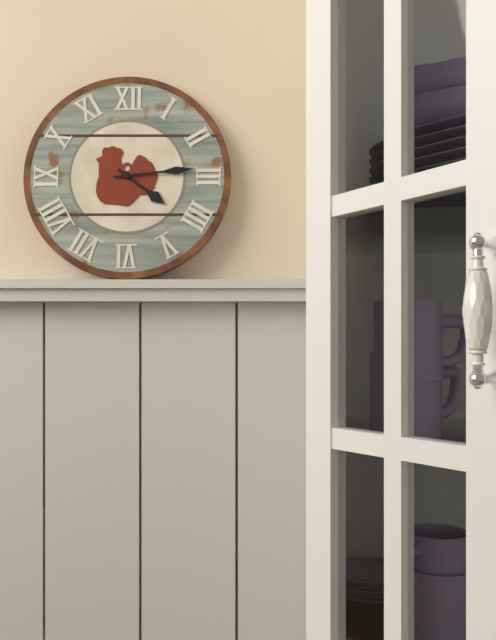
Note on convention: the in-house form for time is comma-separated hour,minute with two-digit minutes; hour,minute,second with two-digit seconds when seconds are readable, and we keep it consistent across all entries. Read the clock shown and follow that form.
4,14
